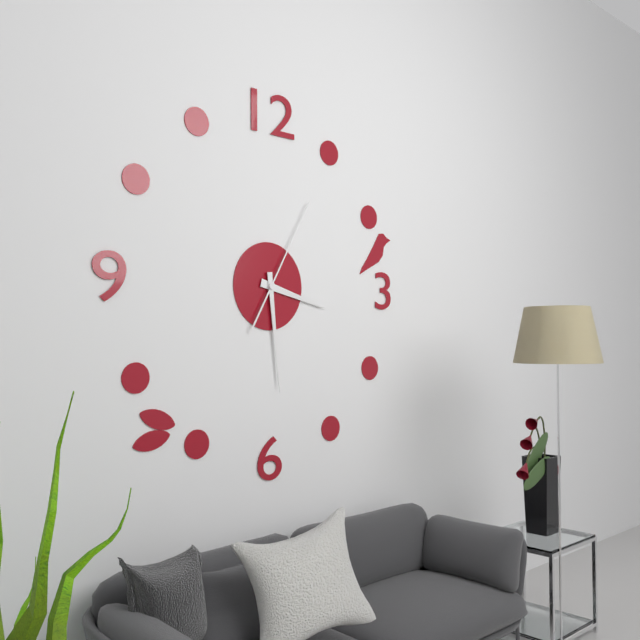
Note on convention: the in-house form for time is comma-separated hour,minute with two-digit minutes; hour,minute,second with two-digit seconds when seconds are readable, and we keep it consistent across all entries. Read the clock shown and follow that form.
3,29,05
